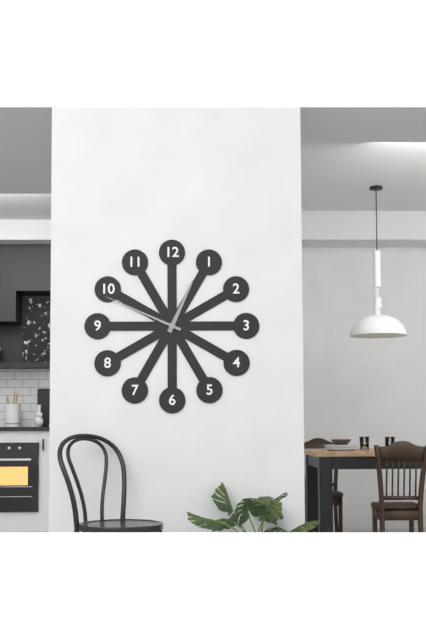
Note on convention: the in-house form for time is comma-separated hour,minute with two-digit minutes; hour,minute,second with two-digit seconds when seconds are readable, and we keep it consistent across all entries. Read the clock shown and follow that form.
12,49
